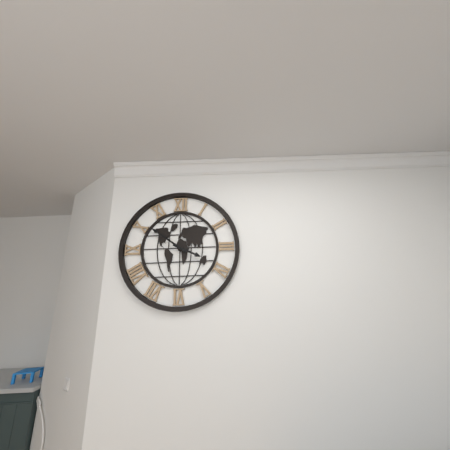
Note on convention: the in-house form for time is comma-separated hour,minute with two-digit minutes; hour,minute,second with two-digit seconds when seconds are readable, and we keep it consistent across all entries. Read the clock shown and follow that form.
3,51
